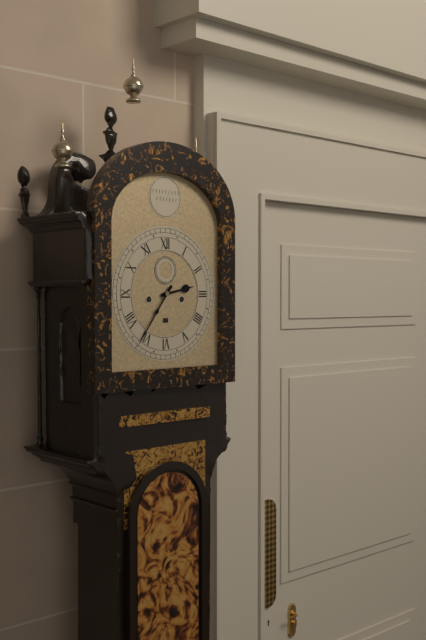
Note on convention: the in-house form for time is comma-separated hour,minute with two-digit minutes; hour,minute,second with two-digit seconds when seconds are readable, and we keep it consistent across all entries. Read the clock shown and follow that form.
2,36
